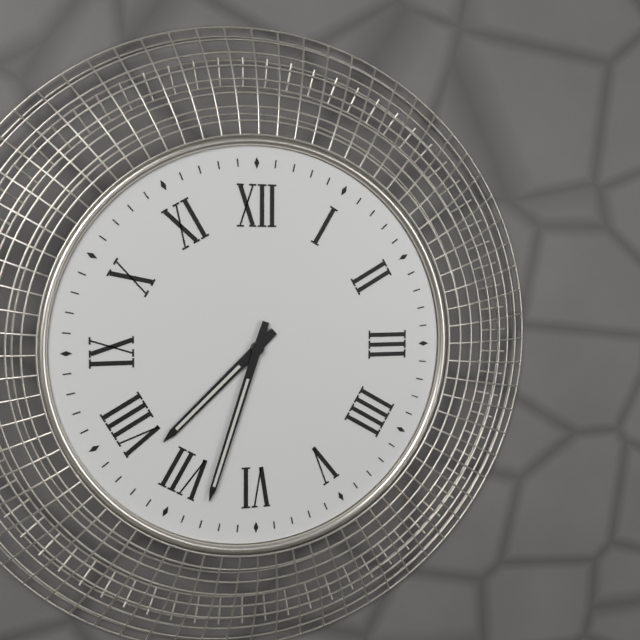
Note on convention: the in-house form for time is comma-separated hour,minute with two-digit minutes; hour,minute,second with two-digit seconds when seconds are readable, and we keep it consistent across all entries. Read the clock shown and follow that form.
7,33
